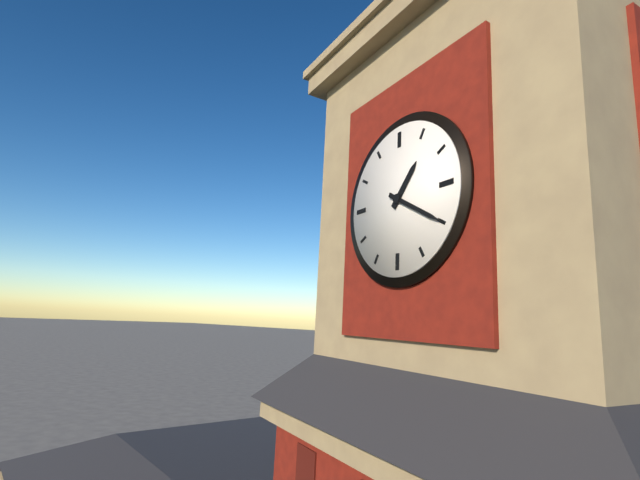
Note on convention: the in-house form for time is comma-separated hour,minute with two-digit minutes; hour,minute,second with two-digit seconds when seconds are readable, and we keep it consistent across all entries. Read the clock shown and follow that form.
1,20
